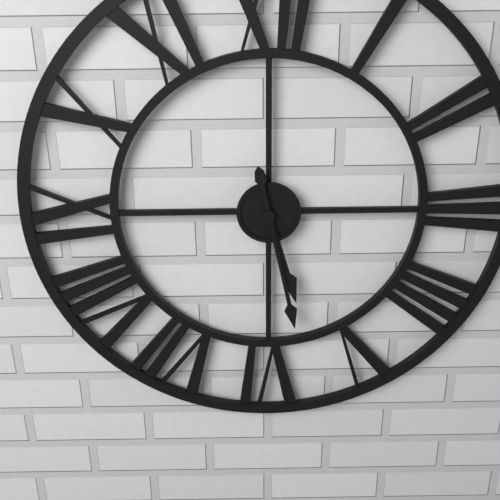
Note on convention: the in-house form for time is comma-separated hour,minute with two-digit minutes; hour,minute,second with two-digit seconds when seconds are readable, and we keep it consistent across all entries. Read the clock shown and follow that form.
5,28
